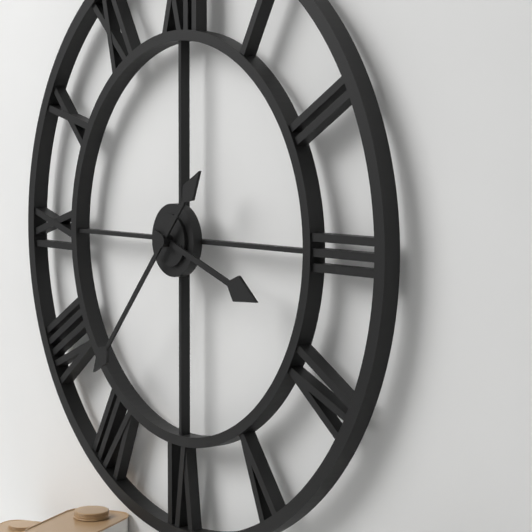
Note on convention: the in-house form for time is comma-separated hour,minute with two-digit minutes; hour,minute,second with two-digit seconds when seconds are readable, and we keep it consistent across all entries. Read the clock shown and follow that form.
3,37
